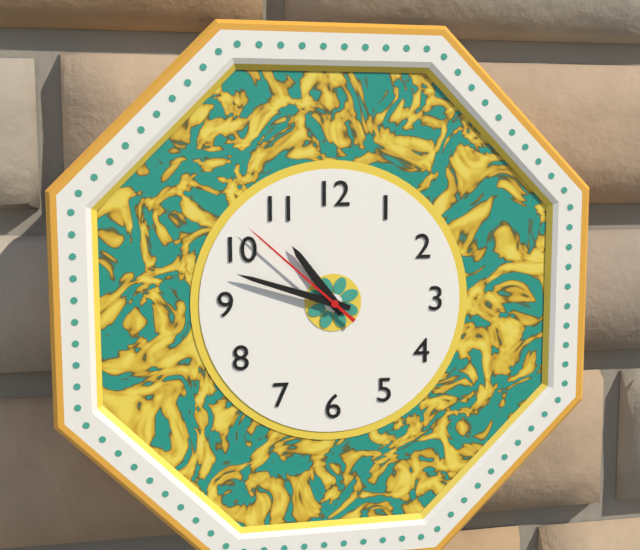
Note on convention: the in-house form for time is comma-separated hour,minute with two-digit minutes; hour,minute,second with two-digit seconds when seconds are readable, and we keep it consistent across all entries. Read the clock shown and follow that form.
10,48,52
